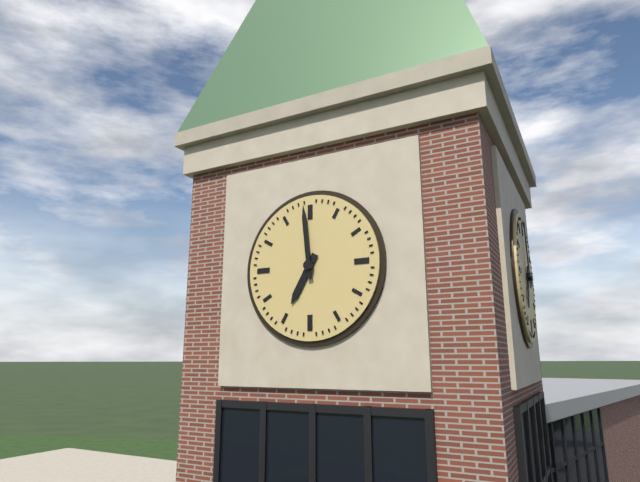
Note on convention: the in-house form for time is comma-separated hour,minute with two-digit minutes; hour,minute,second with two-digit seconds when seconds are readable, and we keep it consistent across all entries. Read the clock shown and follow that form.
6,59
